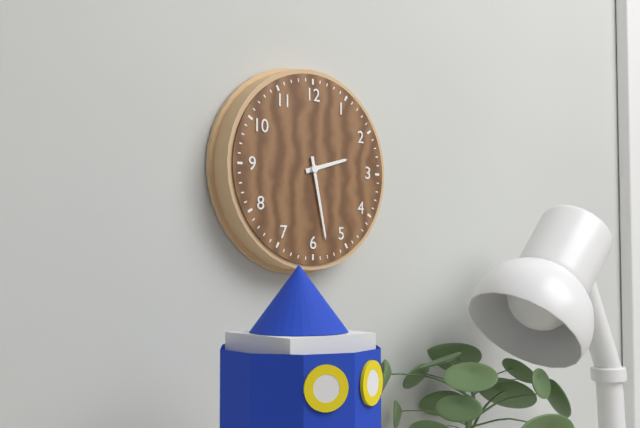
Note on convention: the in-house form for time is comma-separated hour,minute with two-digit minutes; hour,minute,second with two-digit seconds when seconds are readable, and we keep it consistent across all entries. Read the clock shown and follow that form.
2,28
